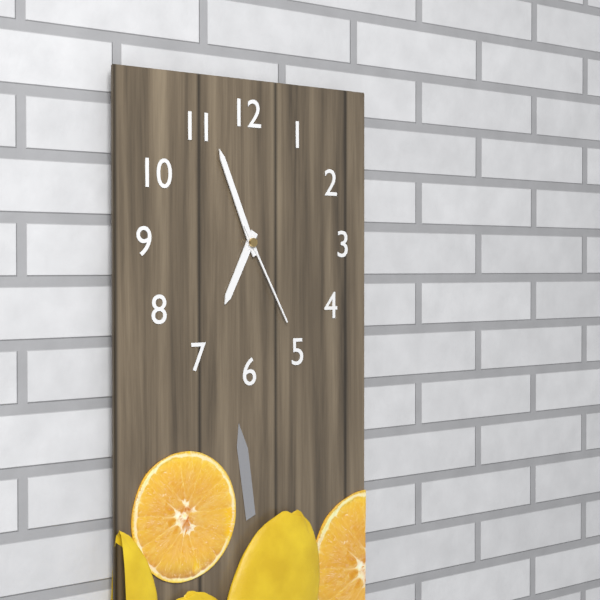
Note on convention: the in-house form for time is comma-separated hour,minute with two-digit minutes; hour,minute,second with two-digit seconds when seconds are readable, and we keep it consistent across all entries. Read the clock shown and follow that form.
6,56,25
